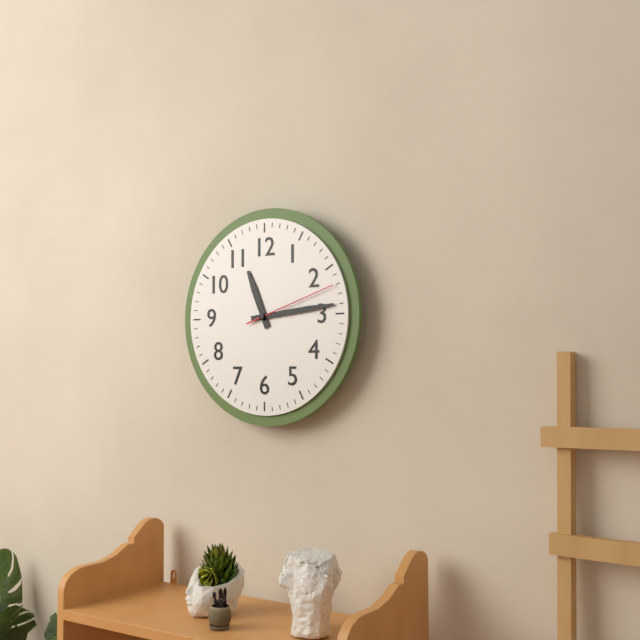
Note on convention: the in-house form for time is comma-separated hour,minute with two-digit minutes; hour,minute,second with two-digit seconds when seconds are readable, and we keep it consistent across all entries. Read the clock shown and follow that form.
11,14,12
